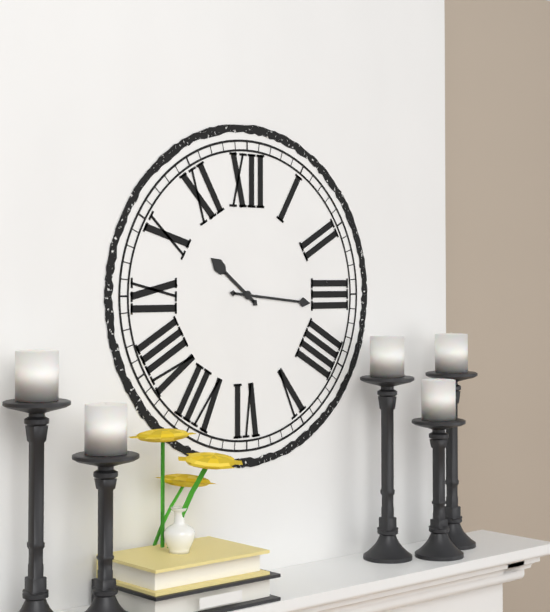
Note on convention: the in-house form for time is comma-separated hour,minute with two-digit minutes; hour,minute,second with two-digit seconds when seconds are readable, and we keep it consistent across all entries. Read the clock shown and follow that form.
10,16
